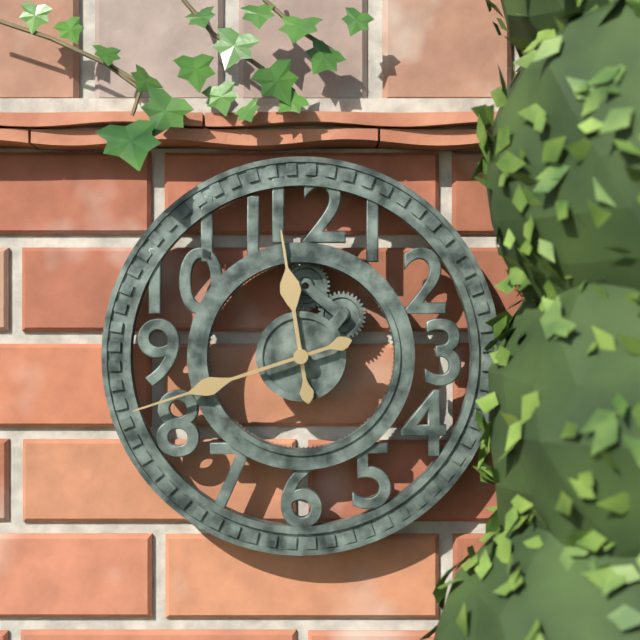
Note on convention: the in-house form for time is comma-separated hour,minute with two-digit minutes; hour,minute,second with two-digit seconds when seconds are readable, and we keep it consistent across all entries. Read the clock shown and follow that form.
11,42
